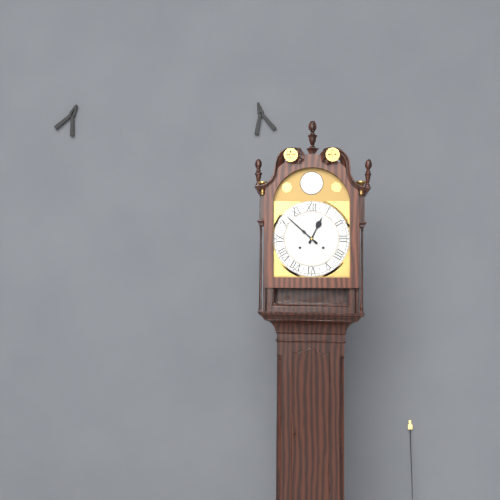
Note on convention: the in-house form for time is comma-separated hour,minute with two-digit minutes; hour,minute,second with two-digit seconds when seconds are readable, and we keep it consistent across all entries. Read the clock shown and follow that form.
12,52
